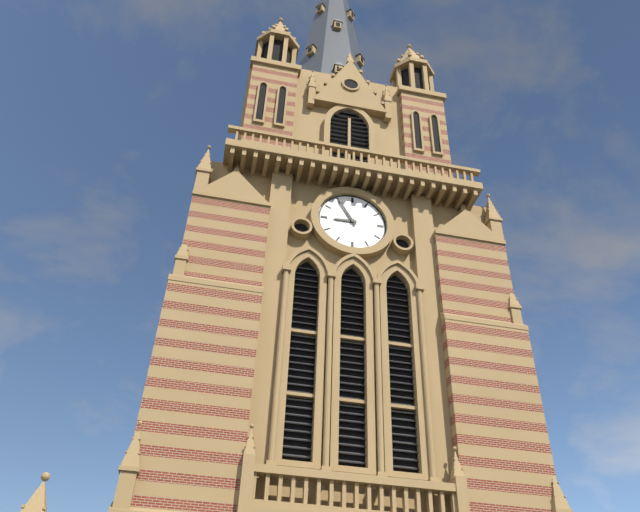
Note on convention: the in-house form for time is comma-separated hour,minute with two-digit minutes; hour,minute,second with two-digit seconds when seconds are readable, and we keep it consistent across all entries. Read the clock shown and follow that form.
8,55
